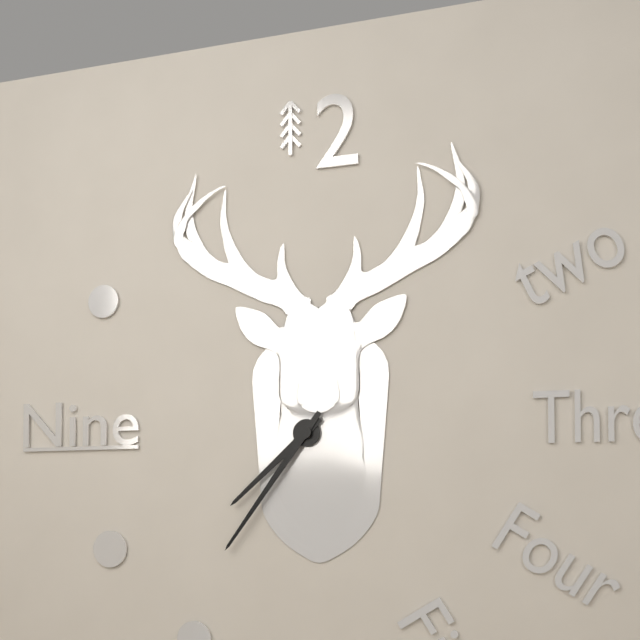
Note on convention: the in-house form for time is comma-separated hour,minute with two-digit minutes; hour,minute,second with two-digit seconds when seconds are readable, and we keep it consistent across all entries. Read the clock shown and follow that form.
7,36
